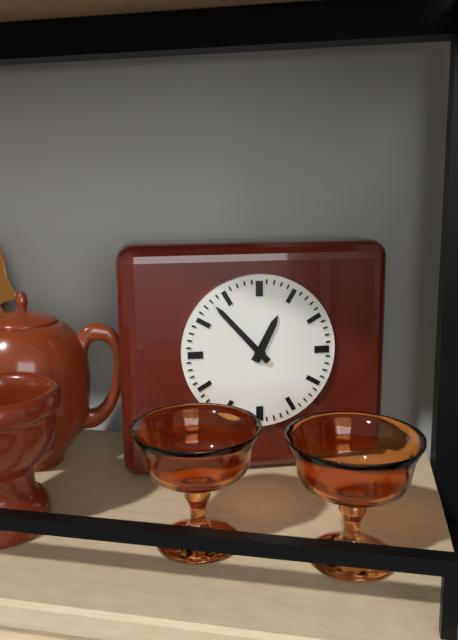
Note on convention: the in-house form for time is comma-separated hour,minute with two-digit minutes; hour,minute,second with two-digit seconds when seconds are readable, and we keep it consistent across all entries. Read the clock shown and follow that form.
12,53
